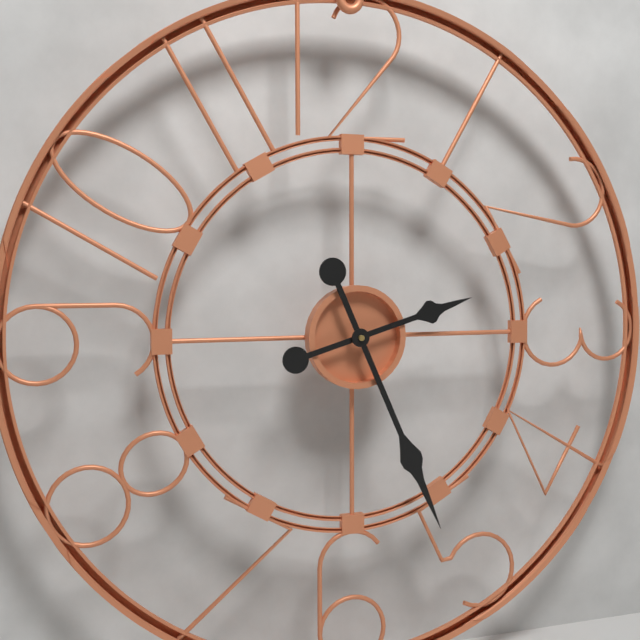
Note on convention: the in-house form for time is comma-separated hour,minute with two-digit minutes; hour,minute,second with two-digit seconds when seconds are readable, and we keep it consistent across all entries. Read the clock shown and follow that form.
2,26
